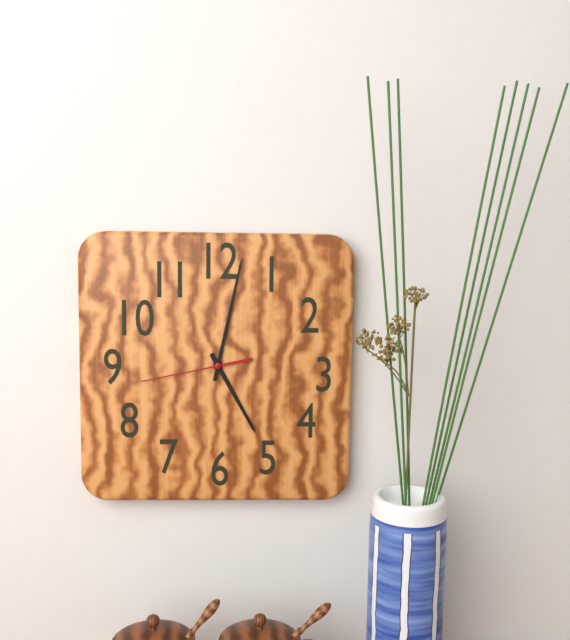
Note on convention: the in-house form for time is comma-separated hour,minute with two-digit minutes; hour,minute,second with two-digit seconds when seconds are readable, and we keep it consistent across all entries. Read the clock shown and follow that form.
5,02,43
